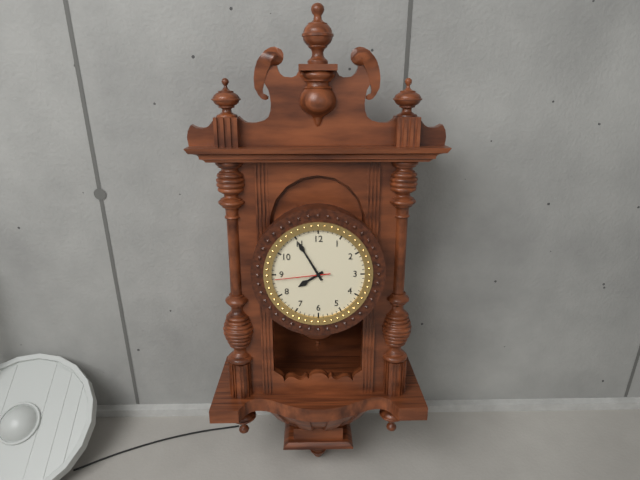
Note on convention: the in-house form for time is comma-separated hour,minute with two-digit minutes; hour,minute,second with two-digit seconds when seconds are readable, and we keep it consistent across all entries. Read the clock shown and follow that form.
7,55,44
